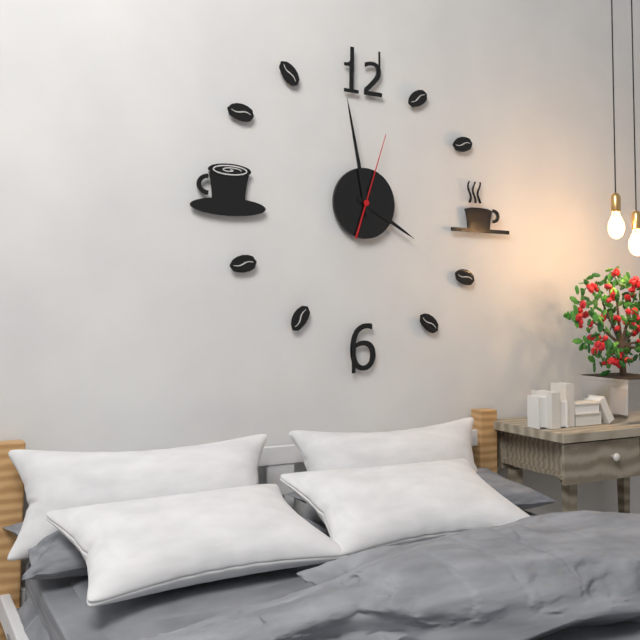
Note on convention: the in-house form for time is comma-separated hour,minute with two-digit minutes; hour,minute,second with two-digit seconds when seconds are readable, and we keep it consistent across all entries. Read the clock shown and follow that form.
3,58,03
